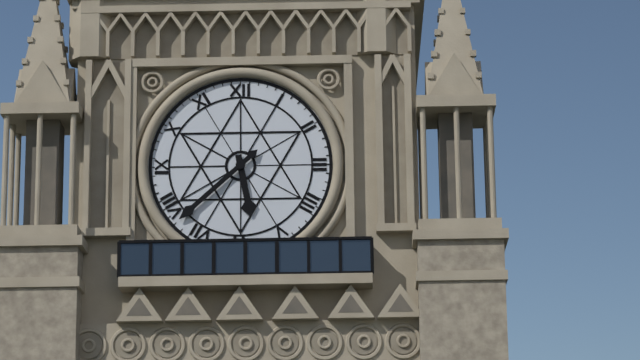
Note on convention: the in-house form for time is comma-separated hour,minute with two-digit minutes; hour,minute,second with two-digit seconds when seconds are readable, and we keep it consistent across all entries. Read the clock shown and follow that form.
5,38
